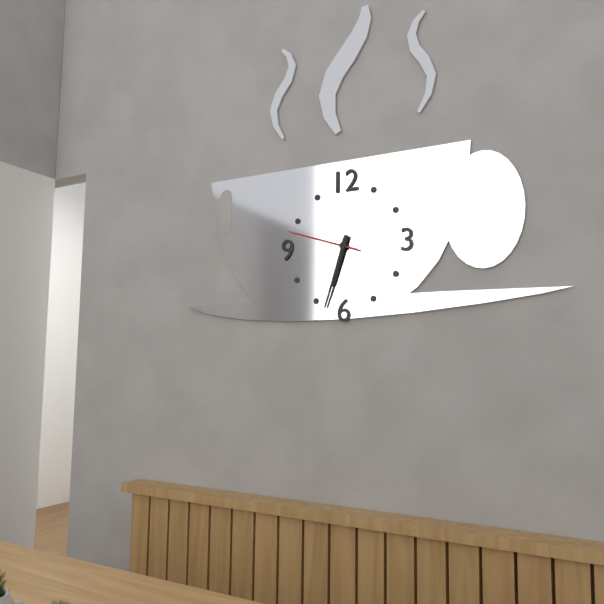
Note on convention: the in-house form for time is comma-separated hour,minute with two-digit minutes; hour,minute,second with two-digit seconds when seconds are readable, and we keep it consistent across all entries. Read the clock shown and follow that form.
6,33,48
